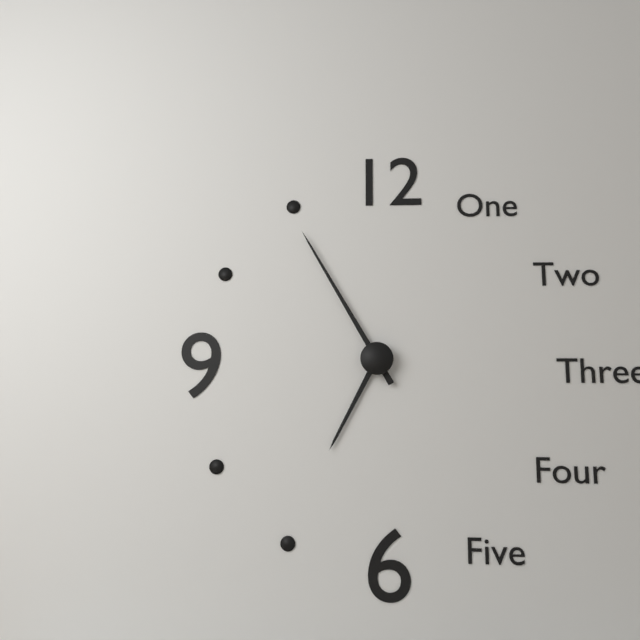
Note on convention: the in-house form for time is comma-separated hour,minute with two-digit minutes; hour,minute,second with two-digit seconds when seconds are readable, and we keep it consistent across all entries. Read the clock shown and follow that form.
6,55
